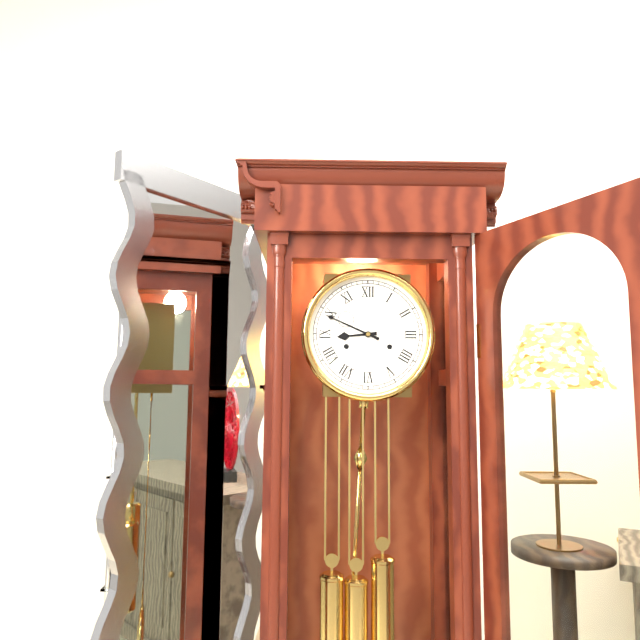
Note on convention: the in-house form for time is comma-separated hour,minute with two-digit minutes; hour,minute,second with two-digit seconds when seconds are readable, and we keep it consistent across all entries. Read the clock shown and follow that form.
8,49
